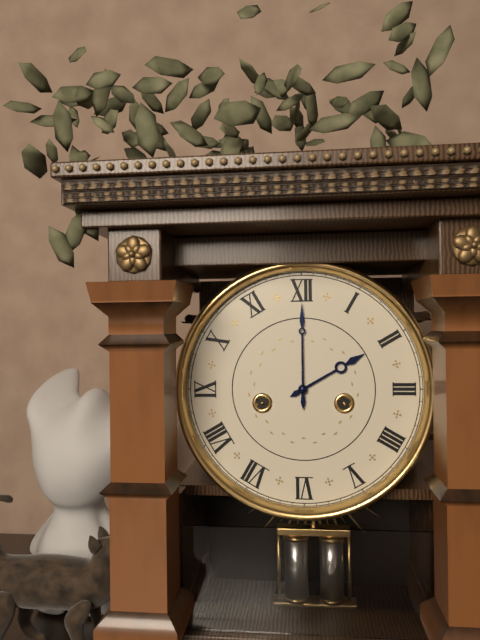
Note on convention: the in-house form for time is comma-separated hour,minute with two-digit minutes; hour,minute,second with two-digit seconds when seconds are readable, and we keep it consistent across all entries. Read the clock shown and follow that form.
2,00
